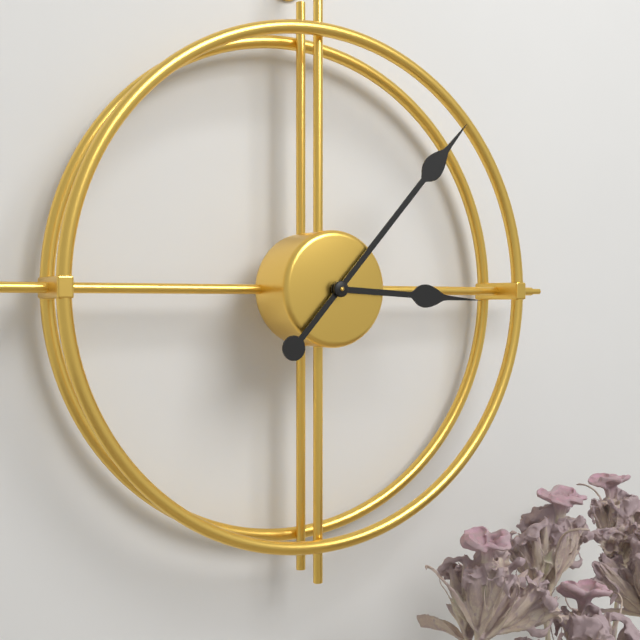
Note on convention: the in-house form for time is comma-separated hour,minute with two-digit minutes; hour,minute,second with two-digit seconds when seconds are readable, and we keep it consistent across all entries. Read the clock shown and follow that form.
3,07
